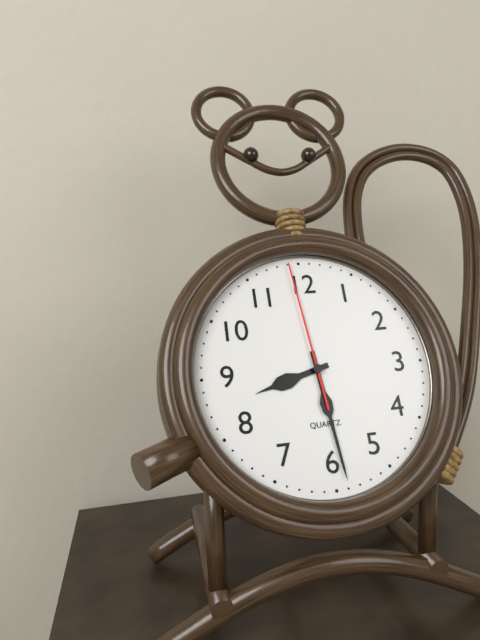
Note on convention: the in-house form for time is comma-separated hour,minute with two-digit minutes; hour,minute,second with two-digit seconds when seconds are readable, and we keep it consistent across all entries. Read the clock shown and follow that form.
8,29,59
